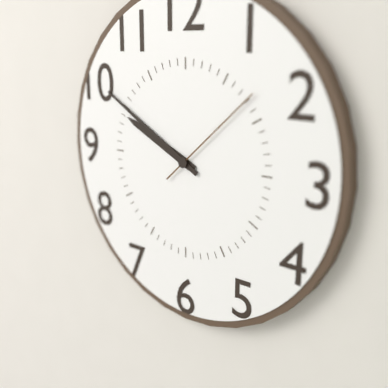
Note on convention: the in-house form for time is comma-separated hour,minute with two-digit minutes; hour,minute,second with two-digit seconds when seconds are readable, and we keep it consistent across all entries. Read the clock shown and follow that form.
9,50,08
